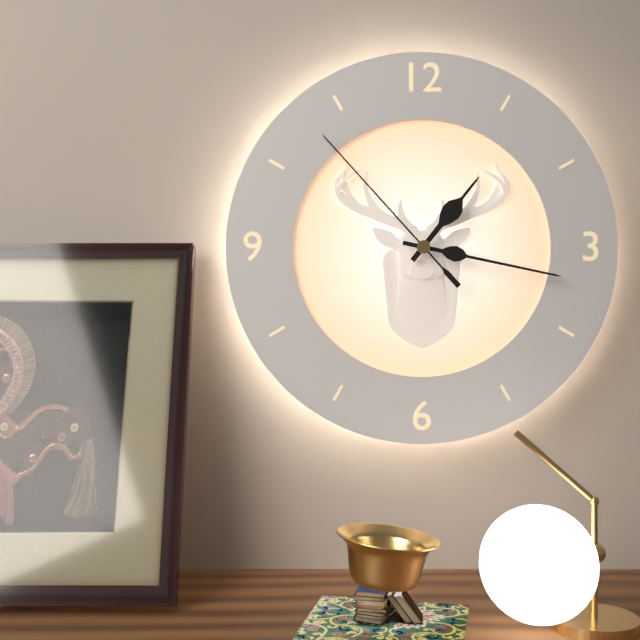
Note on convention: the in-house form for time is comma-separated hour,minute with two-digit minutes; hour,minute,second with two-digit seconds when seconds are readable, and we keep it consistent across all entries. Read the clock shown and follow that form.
1,17,53
